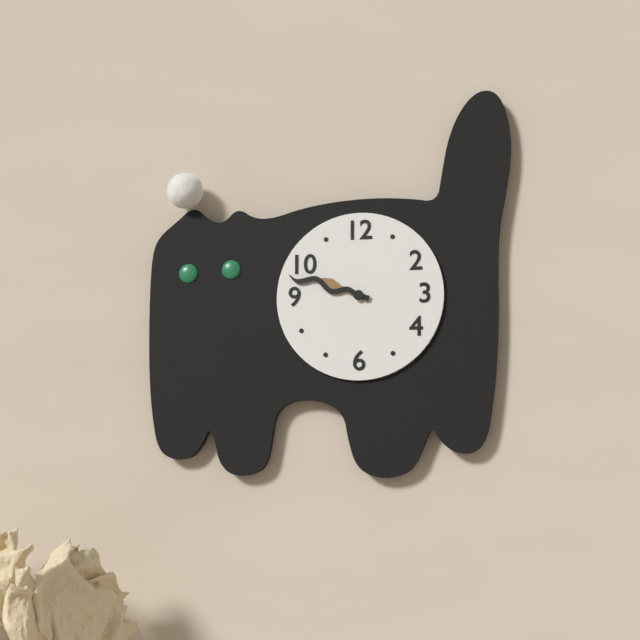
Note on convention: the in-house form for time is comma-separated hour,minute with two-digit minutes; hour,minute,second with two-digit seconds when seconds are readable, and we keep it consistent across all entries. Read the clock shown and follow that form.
9,48
